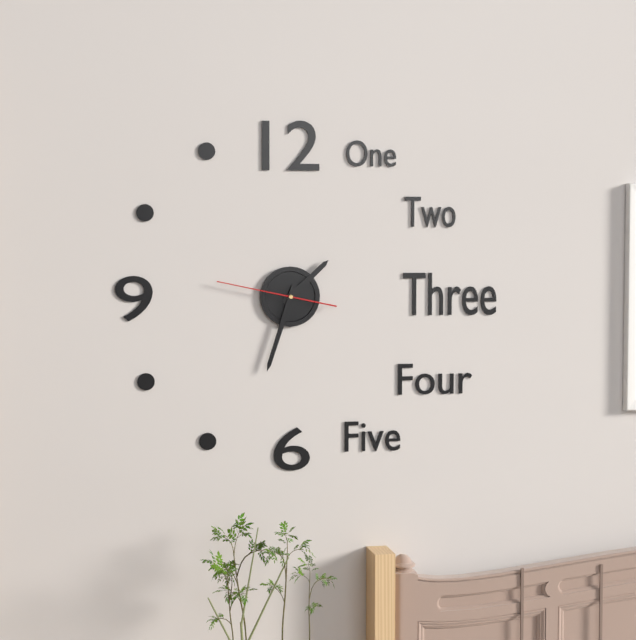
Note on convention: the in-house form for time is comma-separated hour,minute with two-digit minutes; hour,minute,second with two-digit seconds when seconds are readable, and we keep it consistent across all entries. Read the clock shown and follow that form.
1,33,47
